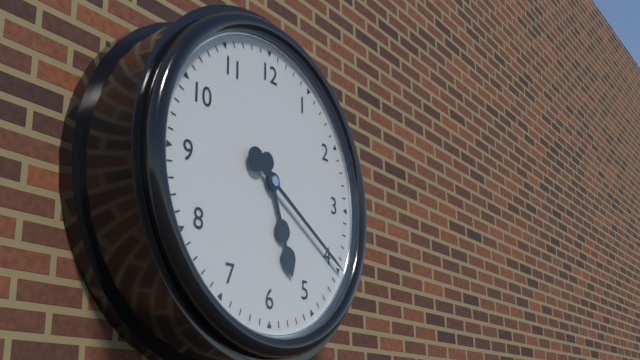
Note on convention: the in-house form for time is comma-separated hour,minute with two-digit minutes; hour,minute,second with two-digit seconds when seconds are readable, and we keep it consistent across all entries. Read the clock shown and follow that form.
5,20
